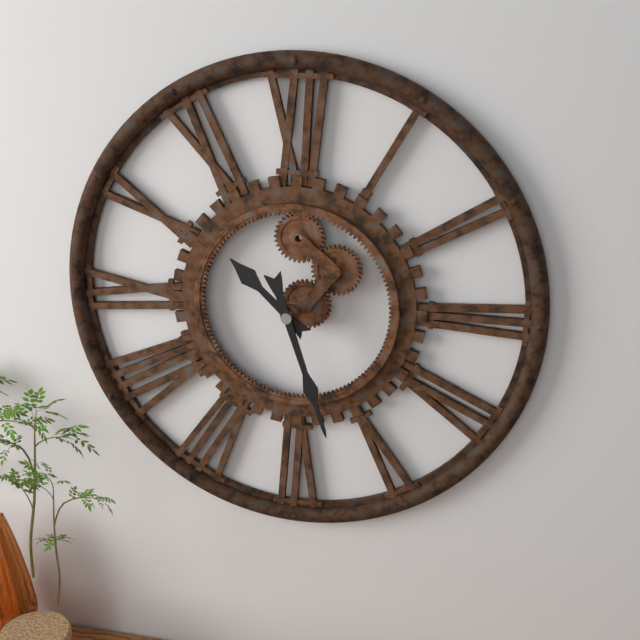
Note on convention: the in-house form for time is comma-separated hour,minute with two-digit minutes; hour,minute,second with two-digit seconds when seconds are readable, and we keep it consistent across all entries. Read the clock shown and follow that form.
10,27
